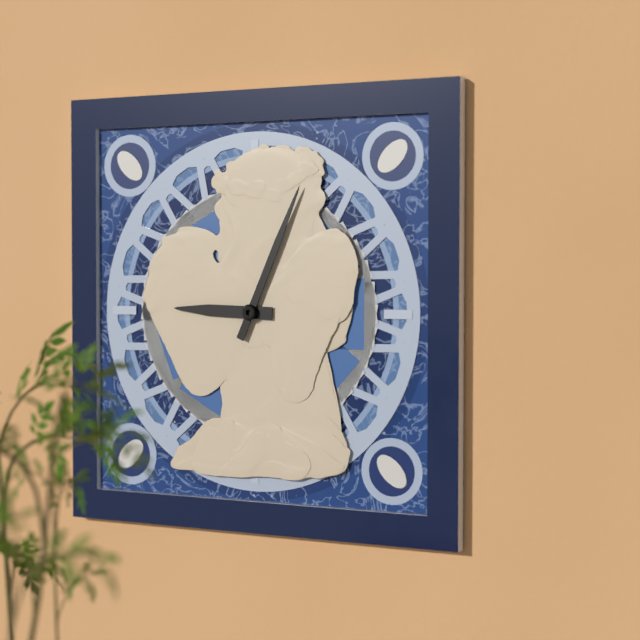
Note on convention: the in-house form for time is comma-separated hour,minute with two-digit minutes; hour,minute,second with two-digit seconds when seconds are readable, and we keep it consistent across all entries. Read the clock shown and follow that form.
9,04
